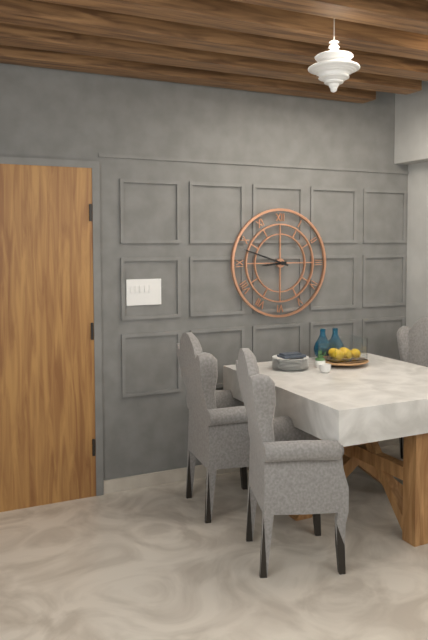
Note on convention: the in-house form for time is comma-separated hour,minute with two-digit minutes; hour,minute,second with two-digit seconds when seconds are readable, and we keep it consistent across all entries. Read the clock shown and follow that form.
8,48
